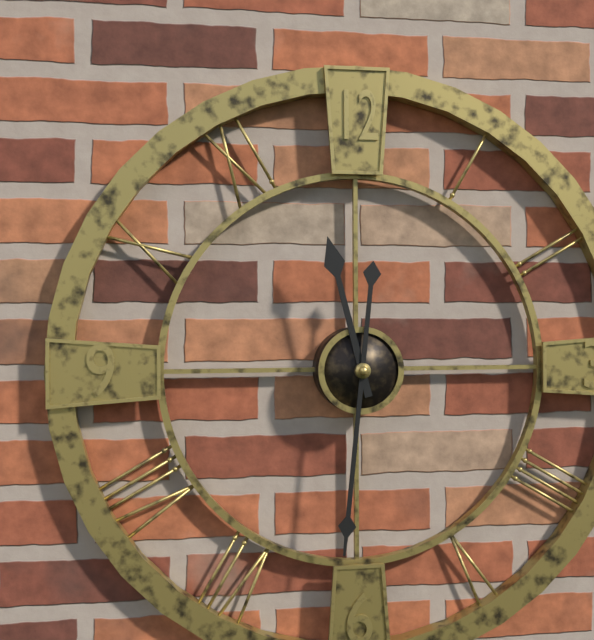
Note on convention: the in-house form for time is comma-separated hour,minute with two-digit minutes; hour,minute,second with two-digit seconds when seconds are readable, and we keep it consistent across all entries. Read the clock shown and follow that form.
11,31
